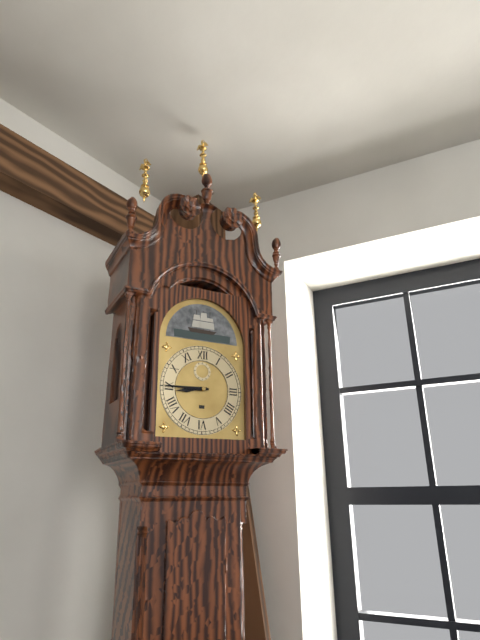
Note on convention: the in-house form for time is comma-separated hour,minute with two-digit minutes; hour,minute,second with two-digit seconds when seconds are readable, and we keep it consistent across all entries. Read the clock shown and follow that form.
8,45
